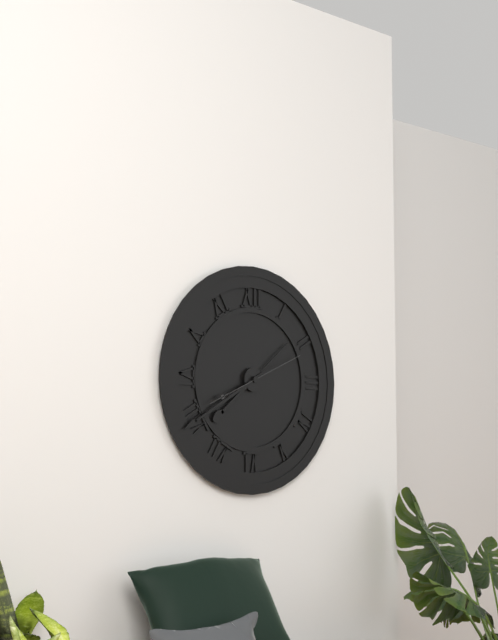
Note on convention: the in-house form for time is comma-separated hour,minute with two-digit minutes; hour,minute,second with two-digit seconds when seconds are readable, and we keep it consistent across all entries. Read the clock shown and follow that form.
7,40,11
